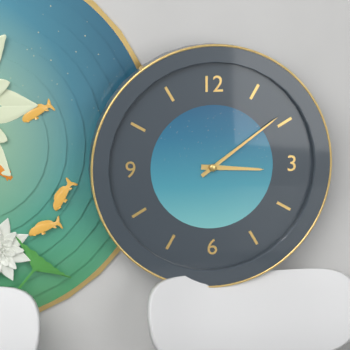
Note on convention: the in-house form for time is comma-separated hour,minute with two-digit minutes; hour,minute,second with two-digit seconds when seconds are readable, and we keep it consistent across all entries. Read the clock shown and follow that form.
3,09
